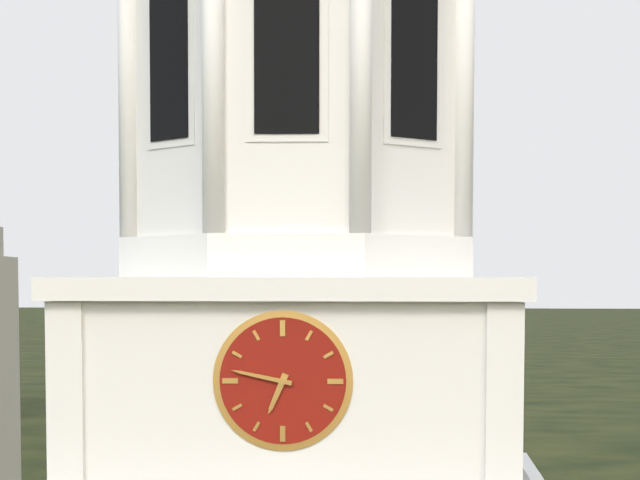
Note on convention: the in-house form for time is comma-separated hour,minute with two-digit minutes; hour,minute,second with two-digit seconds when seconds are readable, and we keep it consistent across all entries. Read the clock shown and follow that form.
6,47
